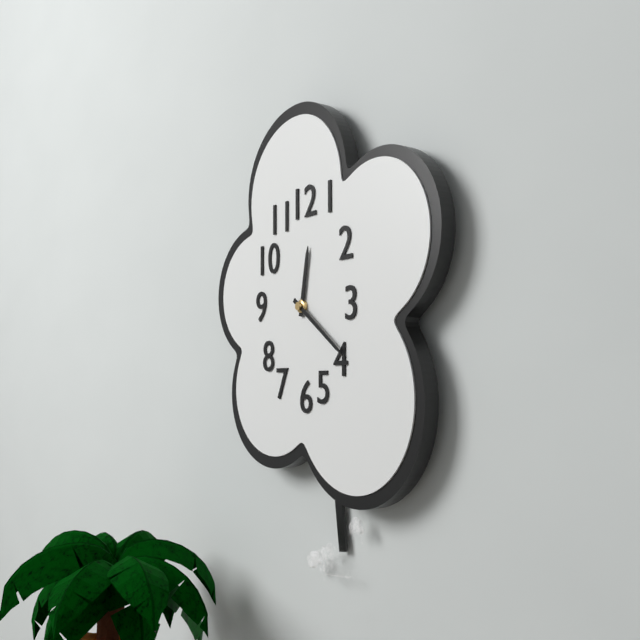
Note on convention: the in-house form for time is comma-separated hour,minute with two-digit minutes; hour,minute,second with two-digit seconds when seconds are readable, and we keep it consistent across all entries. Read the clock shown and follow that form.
12,21
